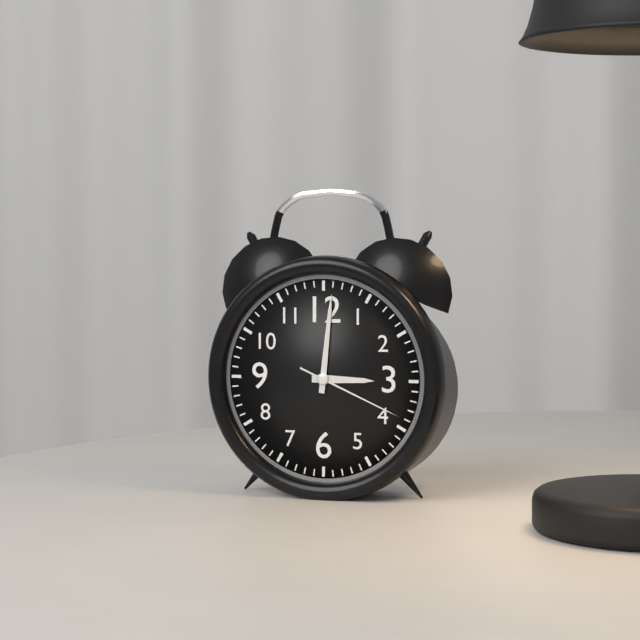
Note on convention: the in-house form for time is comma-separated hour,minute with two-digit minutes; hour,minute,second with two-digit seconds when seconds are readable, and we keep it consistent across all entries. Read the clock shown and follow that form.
3,01,19
